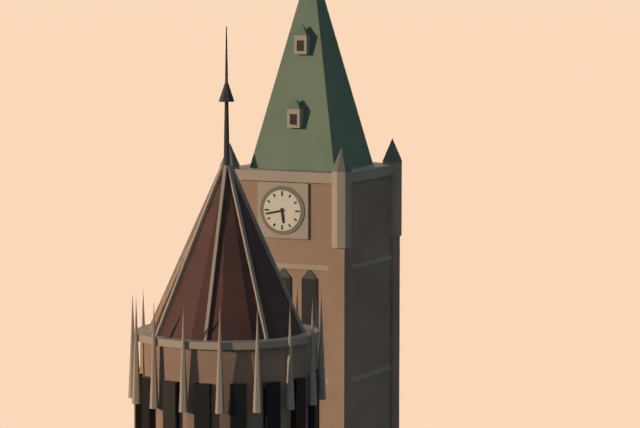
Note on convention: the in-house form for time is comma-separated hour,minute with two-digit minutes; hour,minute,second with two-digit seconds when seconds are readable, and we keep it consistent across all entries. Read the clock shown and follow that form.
5,43
